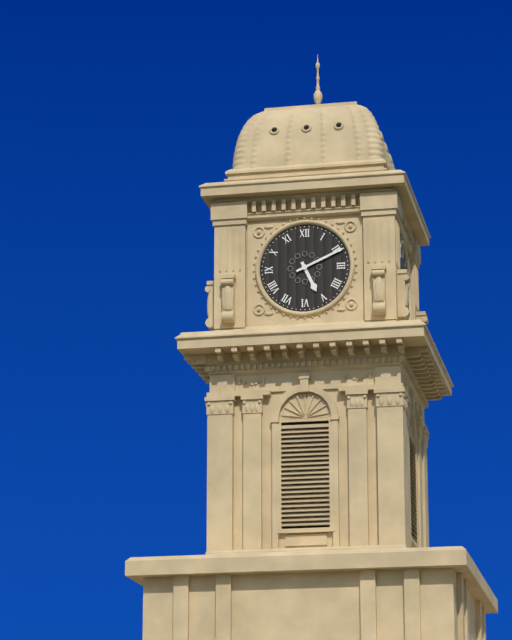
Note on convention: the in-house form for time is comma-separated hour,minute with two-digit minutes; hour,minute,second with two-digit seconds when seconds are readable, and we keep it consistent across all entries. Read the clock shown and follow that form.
5,11
